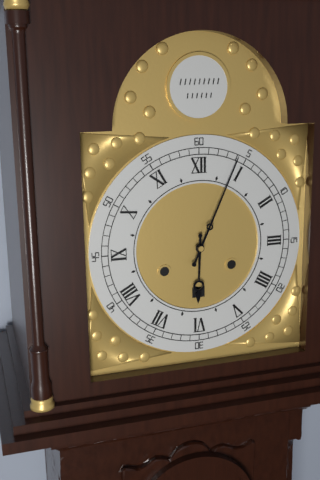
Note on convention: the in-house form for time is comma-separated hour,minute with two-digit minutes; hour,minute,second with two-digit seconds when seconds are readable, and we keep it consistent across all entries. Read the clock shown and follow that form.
6,04
